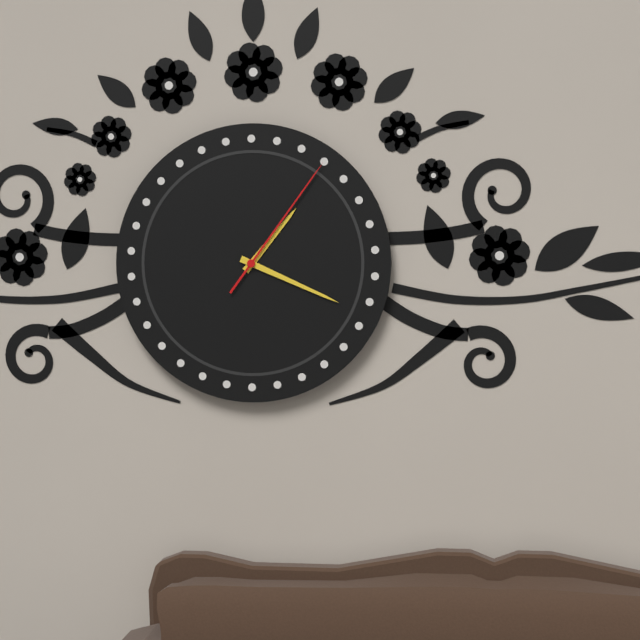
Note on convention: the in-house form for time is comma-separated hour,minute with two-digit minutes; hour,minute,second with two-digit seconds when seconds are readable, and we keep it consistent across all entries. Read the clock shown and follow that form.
1,19,06
